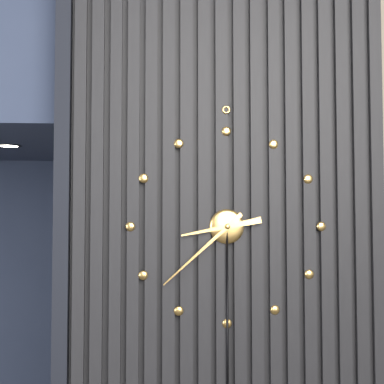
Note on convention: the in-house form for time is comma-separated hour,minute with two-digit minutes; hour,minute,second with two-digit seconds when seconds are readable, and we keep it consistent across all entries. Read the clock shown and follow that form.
8,38
